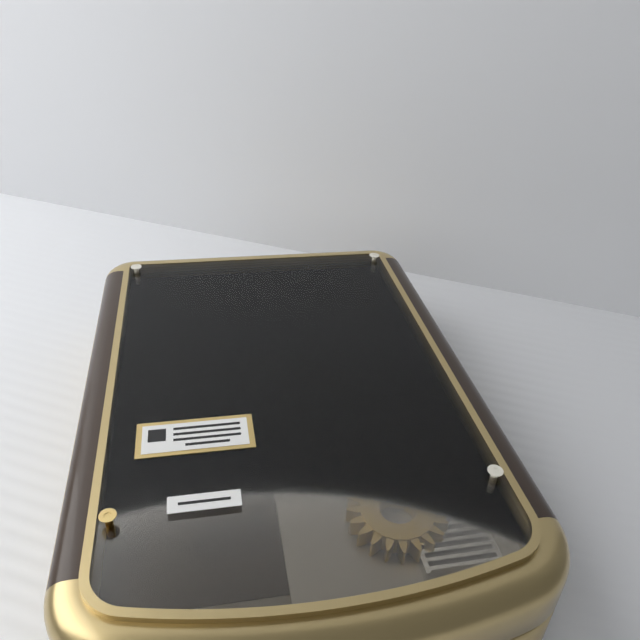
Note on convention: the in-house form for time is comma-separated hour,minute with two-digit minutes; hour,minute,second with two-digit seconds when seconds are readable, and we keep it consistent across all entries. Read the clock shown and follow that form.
10,37
